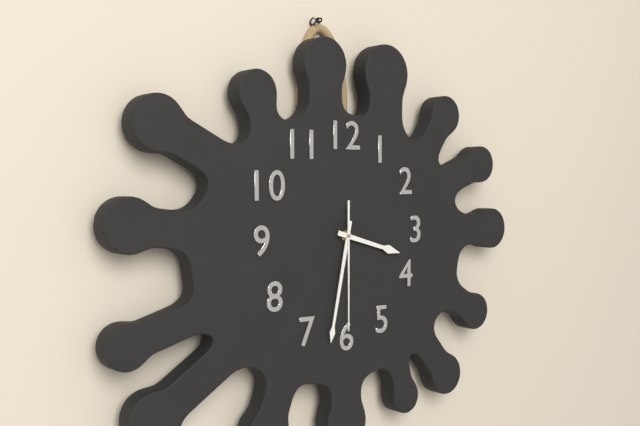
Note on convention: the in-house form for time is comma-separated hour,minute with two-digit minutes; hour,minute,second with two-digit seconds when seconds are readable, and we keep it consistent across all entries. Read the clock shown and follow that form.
3,32,30
